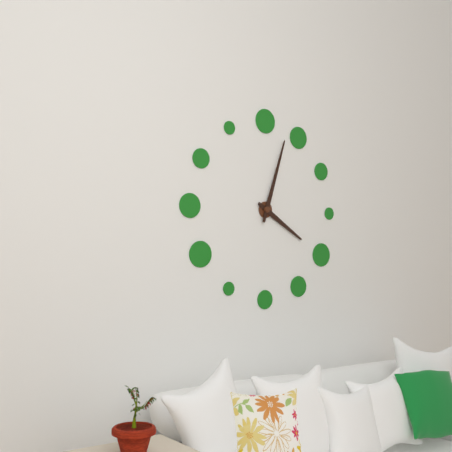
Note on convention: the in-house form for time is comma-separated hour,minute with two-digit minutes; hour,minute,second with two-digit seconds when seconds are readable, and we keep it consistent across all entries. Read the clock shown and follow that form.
4,03
